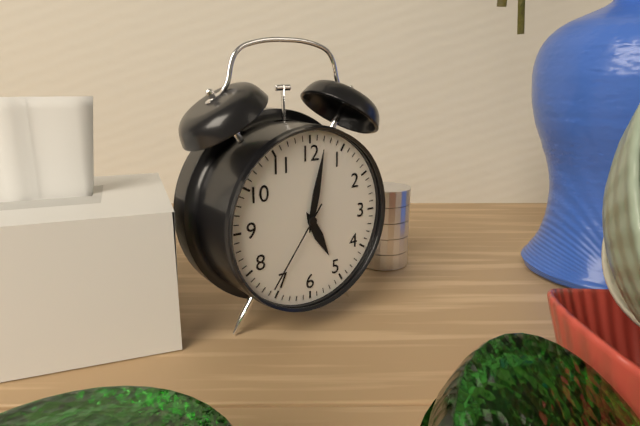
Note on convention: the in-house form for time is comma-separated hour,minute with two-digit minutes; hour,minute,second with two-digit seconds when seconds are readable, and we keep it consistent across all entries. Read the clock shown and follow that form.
5,02,36
